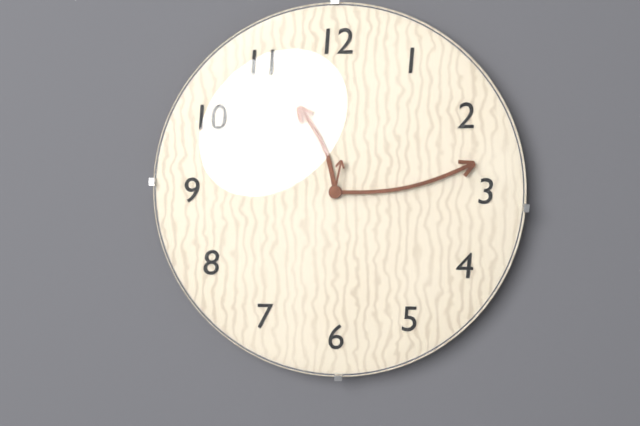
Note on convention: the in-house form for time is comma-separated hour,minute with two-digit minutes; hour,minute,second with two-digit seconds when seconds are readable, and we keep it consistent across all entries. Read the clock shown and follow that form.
11,13
